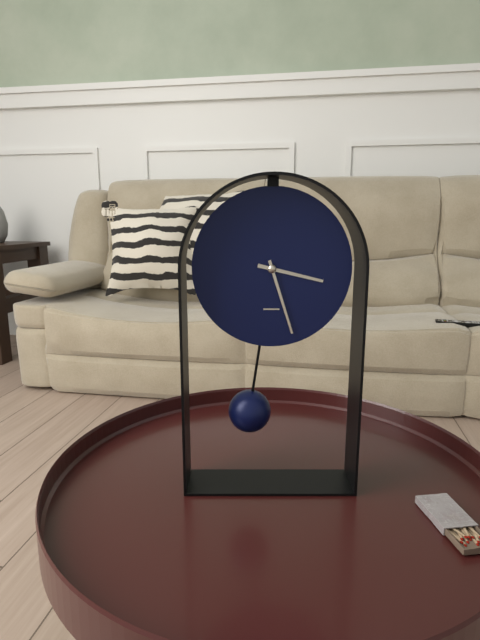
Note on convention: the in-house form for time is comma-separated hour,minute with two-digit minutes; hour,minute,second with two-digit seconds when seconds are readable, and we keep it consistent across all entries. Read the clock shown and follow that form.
3,27
